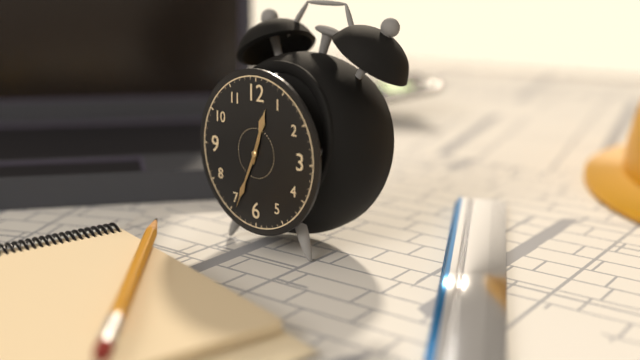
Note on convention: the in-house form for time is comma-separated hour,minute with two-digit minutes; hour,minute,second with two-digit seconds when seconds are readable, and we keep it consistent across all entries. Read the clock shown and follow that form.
12,34
